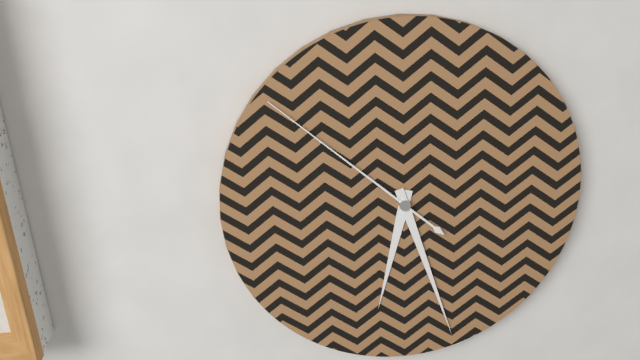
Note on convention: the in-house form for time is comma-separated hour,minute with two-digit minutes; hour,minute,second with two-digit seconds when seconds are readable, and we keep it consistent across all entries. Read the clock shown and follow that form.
6,27,52
